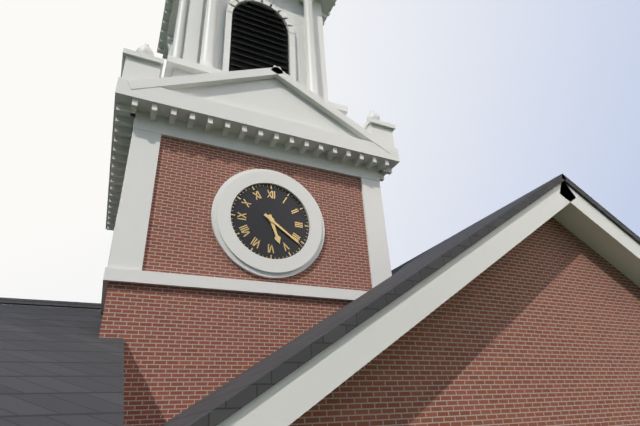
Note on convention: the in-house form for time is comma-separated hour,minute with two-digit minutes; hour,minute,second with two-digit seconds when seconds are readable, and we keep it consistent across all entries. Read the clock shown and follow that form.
5,21
